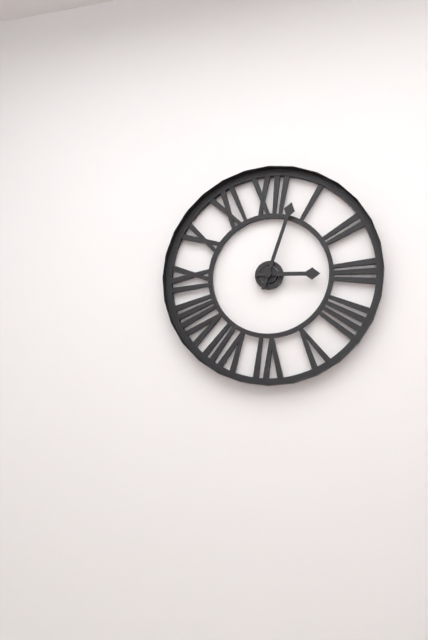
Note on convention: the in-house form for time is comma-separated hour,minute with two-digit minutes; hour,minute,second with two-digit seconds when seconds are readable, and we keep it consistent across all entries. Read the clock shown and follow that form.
3,03
